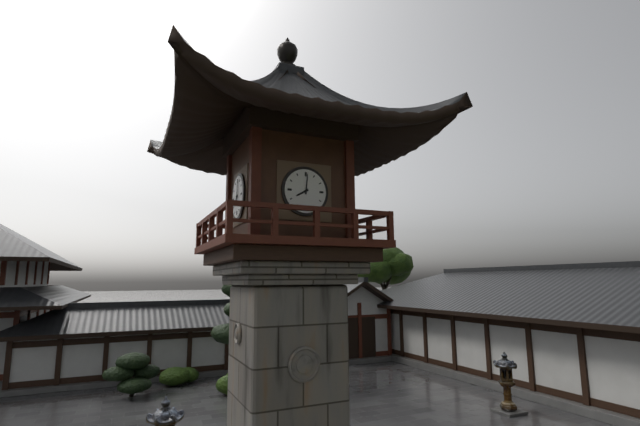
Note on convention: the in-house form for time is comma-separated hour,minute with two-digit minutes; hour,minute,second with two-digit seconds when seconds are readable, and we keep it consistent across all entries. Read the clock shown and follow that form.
8,01
